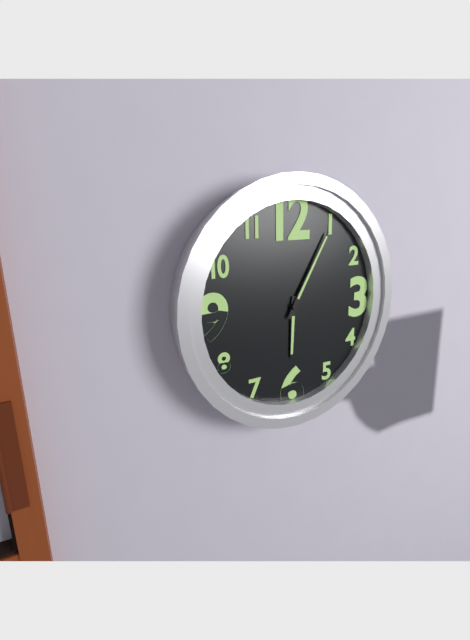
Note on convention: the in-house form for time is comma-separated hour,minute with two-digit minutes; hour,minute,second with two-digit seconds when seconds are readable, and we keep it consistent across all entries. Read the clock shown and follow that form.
6,05
